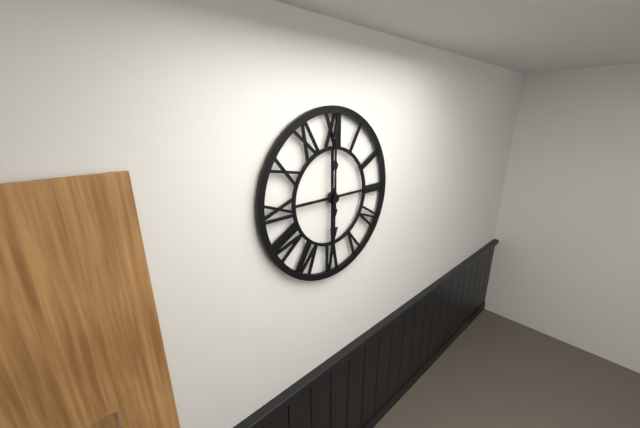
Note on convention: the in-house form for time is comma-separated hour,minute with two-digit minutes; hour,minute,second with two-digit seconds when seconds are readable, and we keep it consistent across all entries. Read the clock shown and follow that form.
6,00
